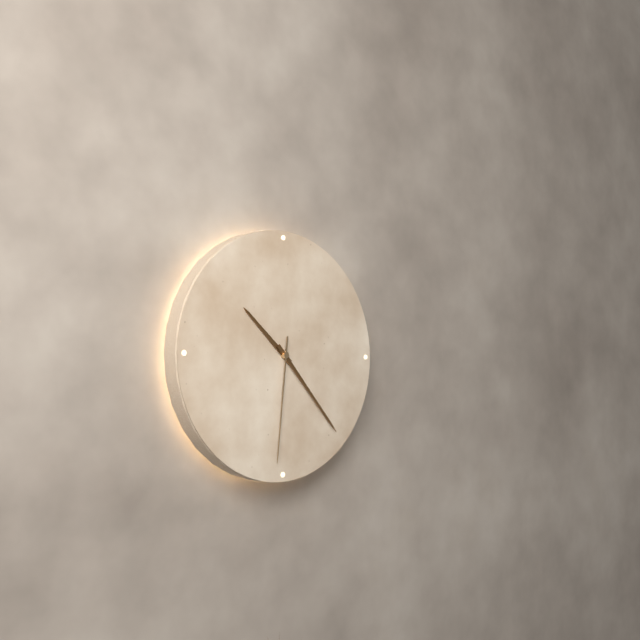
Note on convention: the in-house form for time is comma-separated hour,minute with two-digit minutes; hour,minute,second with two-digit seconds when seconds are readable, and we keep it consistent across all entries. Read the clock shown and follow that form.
10,23,31
